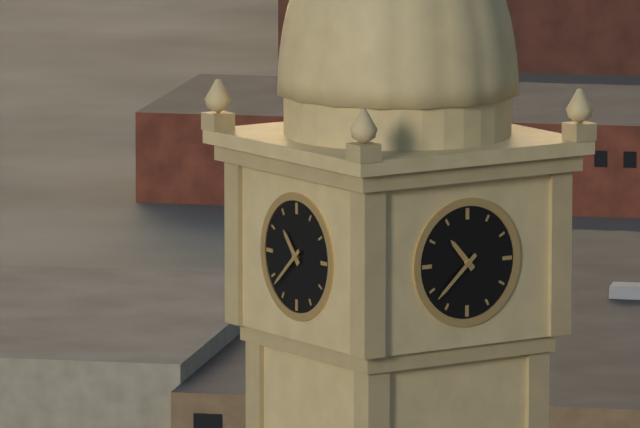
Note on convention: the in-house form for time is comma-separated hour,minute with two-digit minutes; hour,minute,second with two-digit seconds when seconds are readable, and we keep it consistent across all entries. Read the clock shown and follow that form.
10,38
